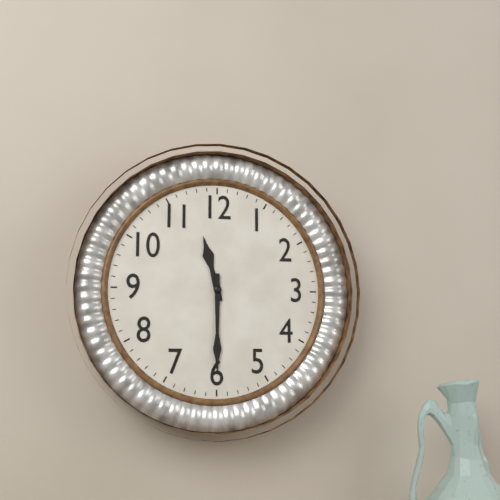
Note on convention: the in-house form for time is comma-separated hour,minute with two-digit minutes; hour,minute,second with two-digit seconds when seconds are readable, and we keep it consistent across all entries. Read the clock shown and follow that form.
11,30
